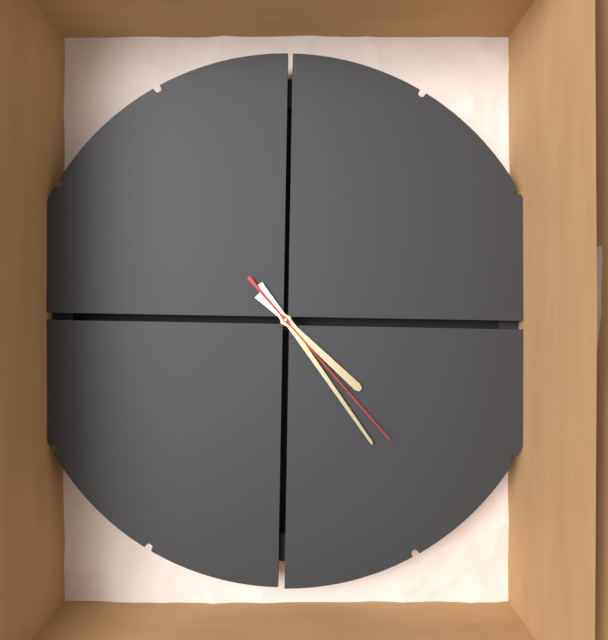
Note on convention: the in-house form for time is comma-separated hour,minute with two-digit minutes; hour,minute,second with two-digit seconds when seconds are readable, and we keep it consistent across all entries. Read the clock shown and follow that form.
4,24,23
